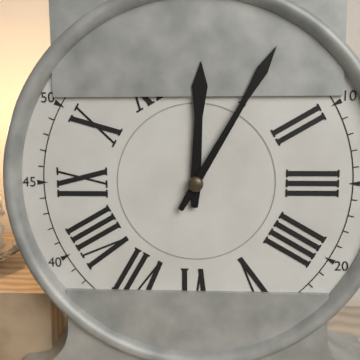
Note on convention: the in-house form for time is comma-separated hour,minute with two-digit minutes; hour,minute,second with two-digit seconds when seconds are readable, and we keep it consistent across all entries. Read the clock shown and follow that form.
12,05
